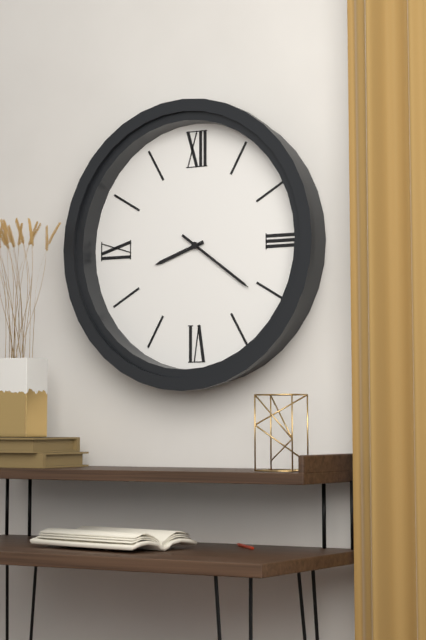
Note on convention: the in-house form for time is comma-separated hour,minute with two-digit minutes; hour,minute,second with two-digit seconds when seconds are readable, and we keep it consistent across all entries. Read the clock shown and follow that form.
8,21
